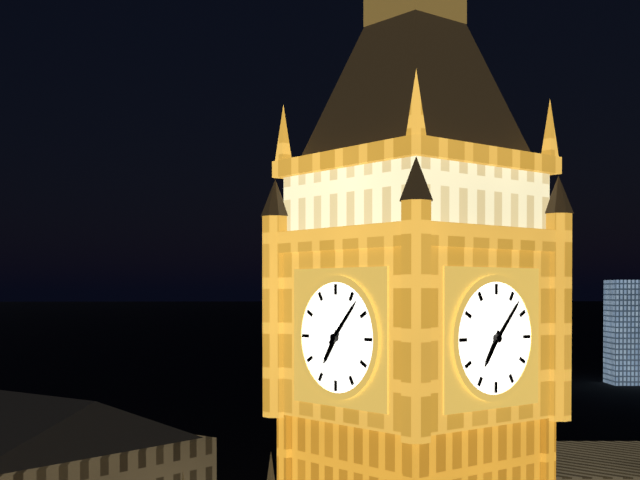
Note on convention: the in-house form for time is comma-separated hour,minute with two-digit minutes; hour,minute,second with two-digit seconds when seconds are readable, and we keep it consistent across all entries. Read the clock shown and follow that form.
7,07
